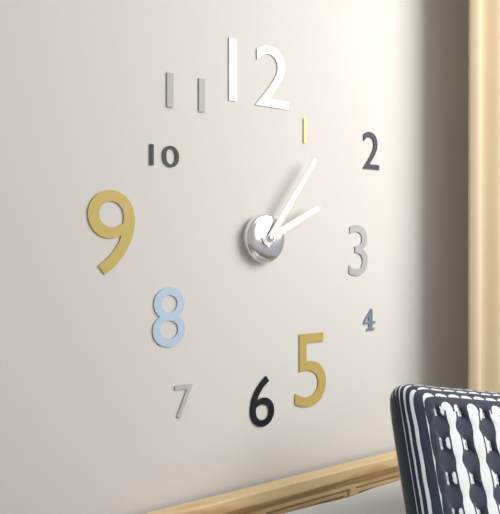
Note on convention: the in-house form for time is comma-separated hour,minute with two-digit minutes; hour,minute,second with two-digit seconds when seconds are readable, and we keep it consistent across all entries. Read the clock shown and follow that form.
2,06
